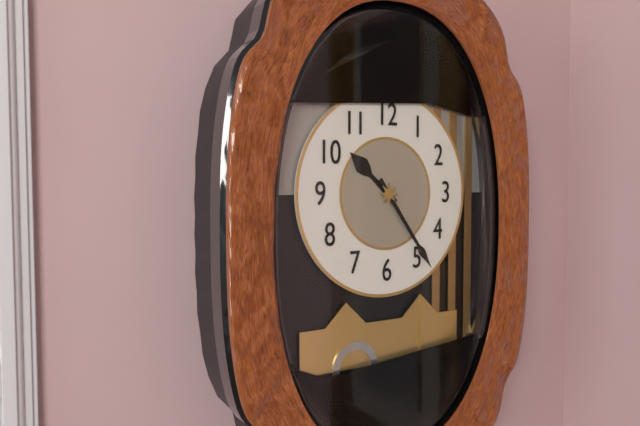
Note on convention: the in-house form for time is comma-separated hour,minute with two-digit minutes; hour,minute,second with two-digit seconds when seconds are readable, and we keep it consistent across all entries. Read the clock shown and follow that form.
10,24
